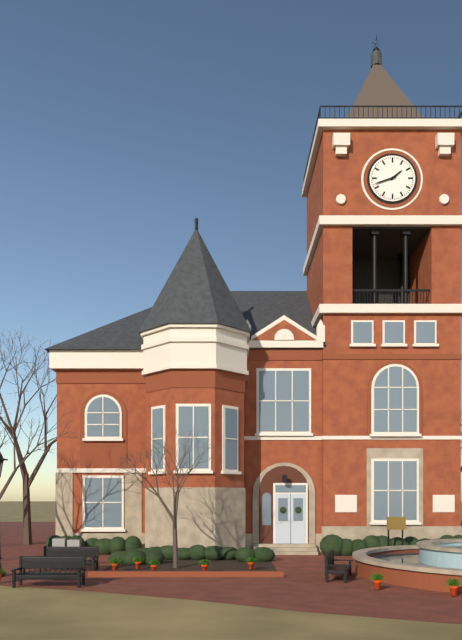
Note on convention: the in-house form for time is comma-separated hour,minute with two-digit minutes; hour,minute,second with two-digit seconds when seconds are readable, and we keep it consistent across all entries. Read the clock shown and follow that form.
1,42
